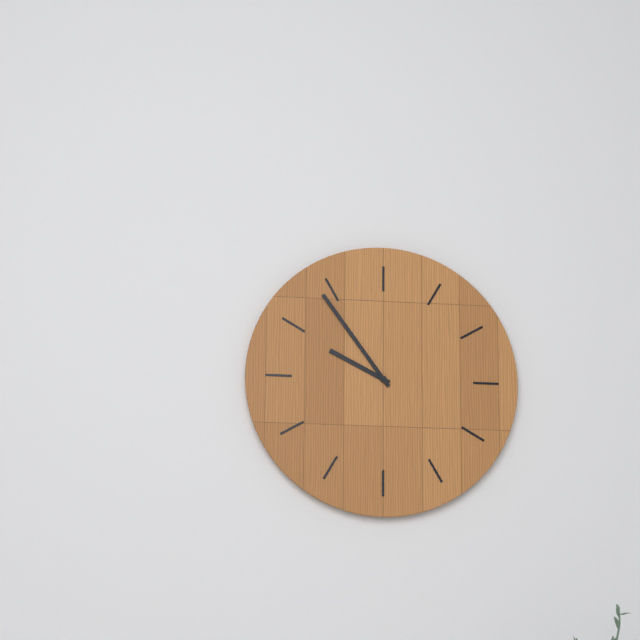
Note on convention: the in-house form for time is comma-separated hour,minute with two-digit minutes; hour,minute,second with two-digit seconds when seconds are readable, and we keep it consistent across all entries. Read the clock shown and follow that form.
9,54
